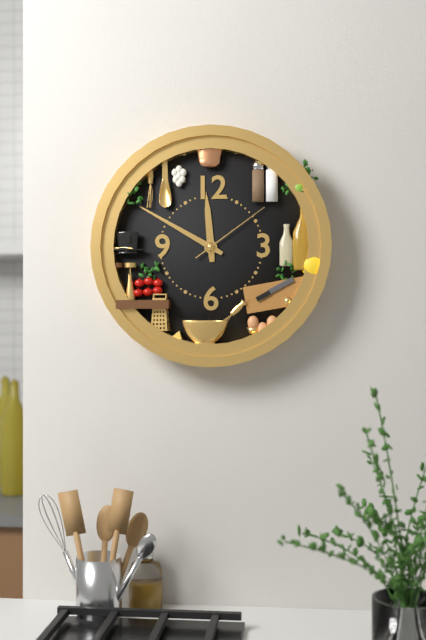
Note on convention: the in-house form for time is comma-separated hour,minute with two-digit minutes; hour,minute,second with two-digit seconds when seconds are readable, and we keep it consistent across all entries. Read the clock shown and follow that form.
11,50,09
